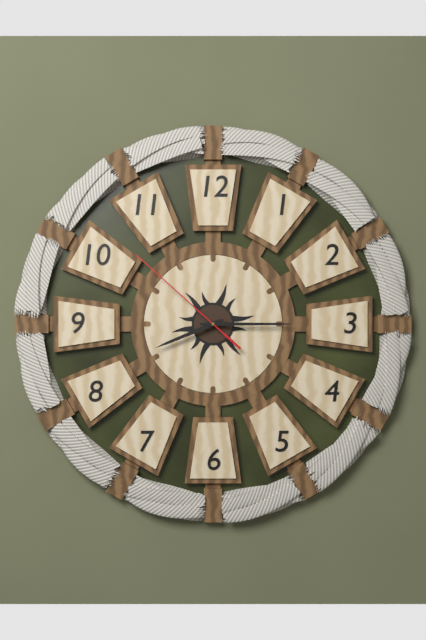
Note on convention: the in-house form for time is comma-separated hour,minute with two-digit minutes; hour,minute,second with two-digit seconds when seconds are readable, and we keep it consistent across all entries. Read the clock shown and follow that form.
8,15,52
